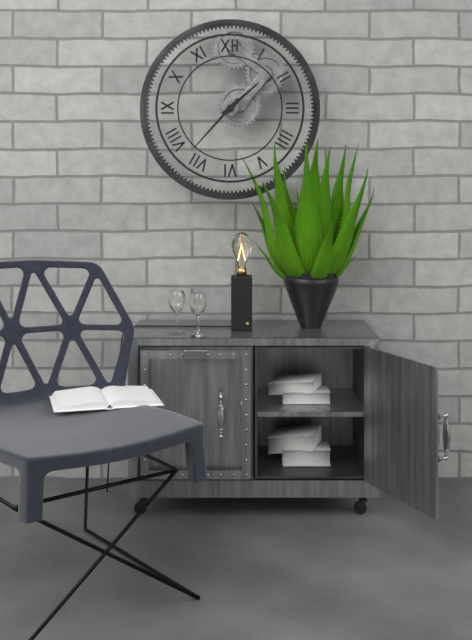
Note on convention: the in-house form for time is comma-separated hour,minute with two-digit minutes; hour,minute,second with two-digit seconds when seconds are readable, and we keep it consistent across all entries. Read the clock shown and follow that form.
1,37
